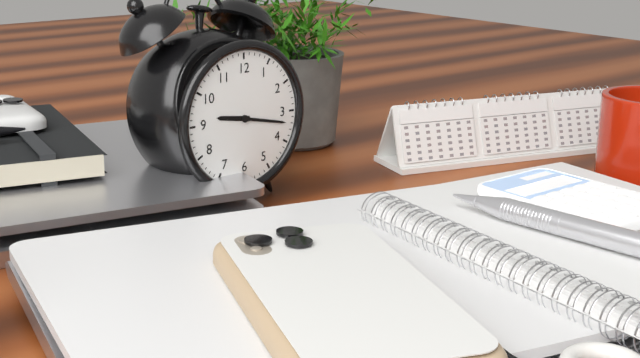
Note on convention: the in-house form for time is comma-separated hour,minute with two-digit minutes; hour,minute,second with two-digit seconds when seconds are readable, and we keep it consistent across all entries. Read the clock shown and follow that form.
9,17
